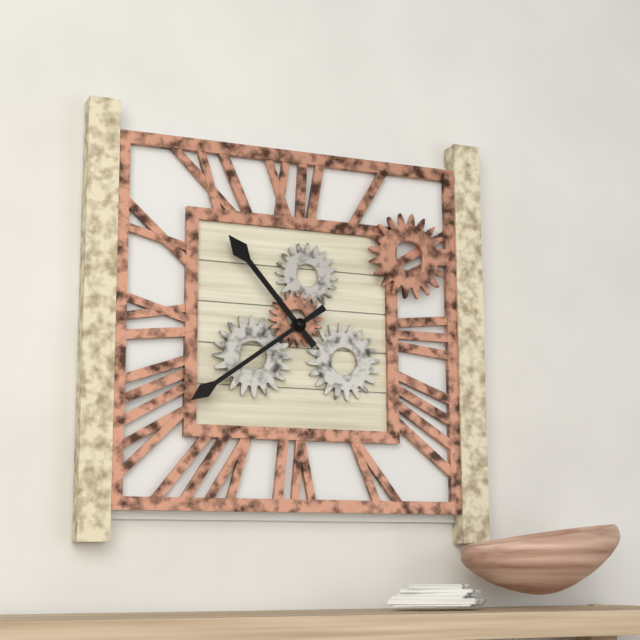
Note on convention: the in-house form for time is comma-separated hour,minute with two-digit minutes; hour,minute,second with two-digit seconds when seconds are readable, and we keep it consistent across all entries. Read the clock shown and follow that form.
10,39
